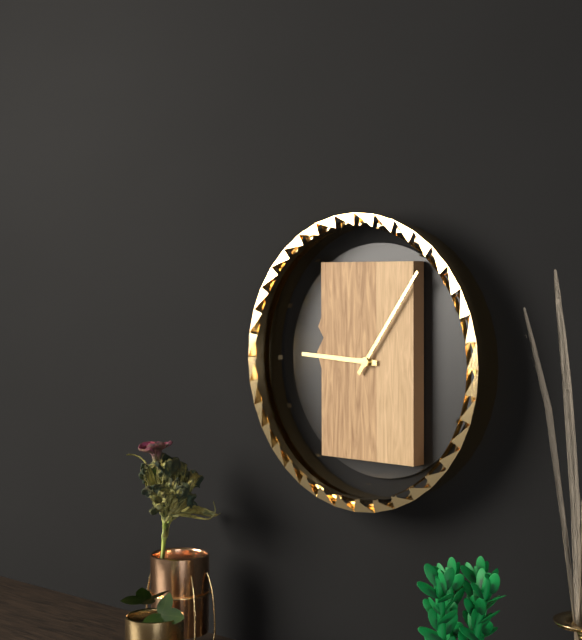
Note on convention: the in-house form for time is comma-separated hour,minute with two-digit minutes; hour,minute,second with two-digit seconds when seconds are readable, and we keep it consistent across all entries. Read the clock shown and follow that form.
9,06
